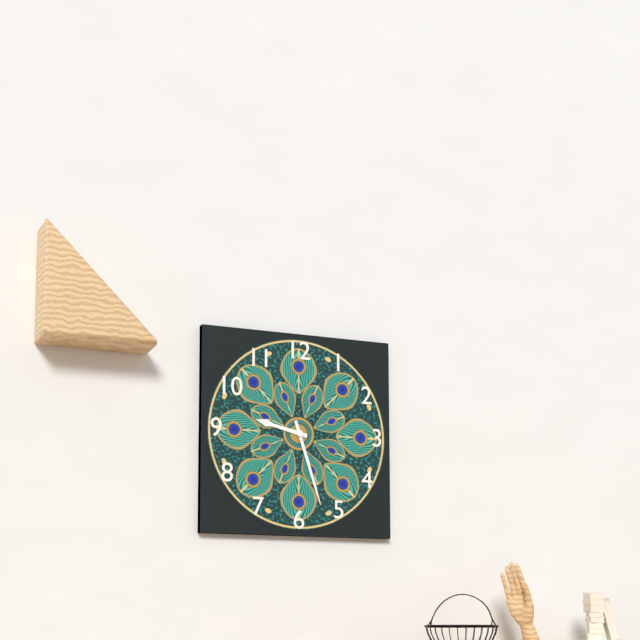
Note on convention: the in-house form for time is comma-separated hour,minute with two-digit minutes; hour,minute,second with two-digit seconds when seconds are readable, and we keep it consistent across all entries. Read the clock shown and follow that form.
9,27
